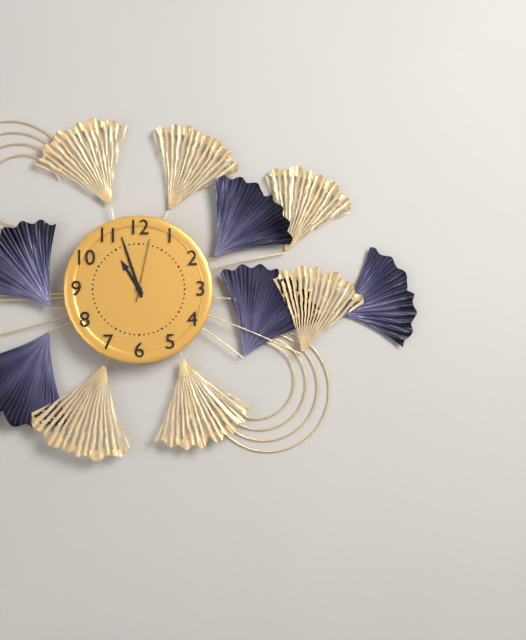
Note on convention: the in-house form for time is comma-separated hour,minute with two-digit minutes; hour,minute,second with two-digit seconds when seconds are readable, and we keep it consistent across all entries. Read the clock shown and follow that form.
10,57,02
